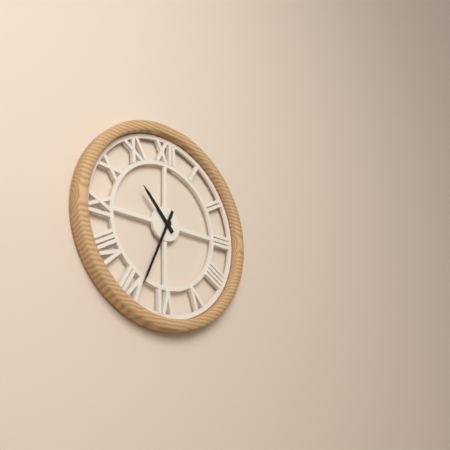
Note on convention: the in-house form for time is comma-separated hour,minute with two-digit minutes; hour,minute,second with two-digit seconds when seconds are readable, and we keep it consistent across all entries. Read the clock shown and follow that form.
10,34
